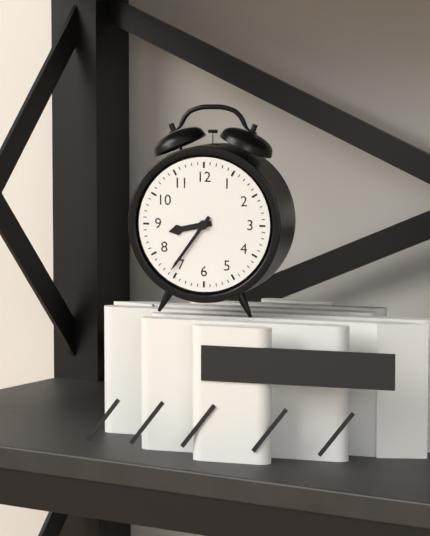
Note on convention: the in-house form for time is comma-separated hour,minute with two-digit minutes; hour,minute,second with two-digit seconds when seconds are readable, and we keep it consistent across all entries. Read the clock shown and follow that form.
8,36
